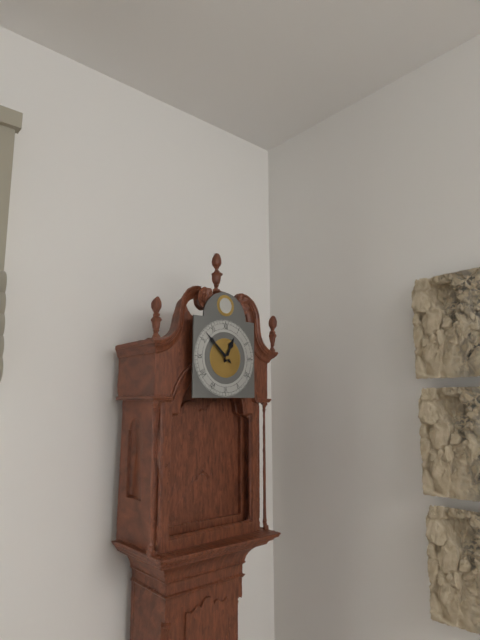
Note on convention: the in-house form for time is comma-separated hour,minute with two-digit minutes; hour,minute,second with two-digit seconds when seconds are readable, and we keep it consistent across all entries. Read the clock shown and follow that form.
12,52
